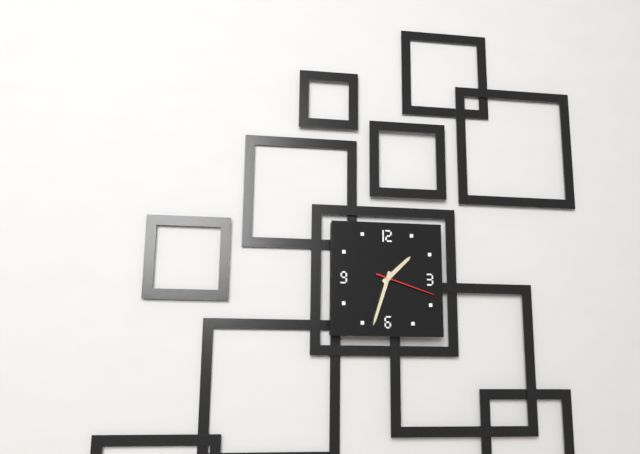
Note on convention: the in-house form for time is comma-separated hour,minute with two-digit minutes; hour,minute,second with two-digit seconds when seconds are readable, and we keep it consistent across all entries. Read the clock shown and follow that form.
1,33,18
